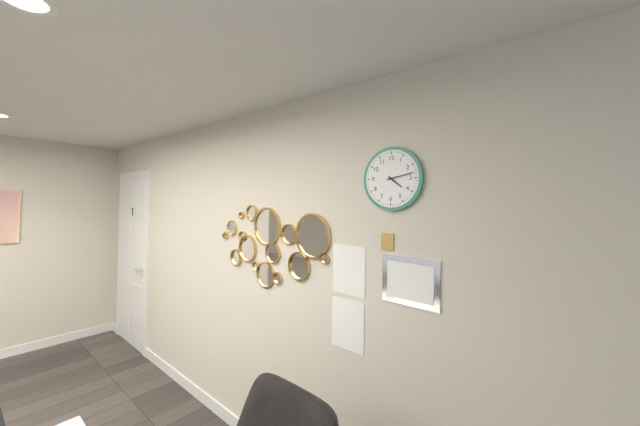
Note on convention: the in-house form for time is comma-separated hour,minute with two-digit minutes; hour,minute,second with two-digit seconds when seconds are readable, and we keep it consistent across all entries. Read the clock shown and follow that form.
4,13
